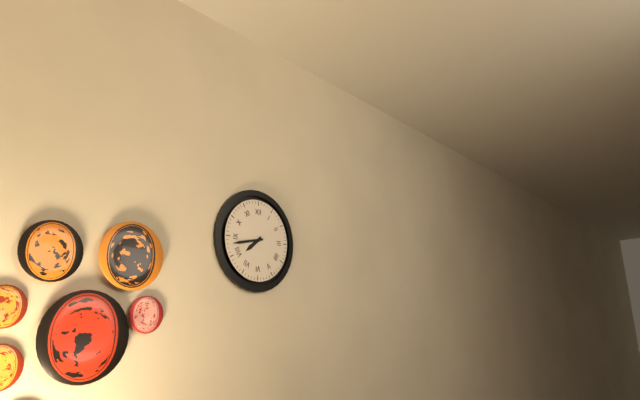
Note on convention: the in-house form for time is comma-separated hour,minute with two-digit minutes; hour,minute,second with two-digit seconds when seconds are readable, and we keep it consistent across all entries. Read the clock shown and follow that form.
7,43
